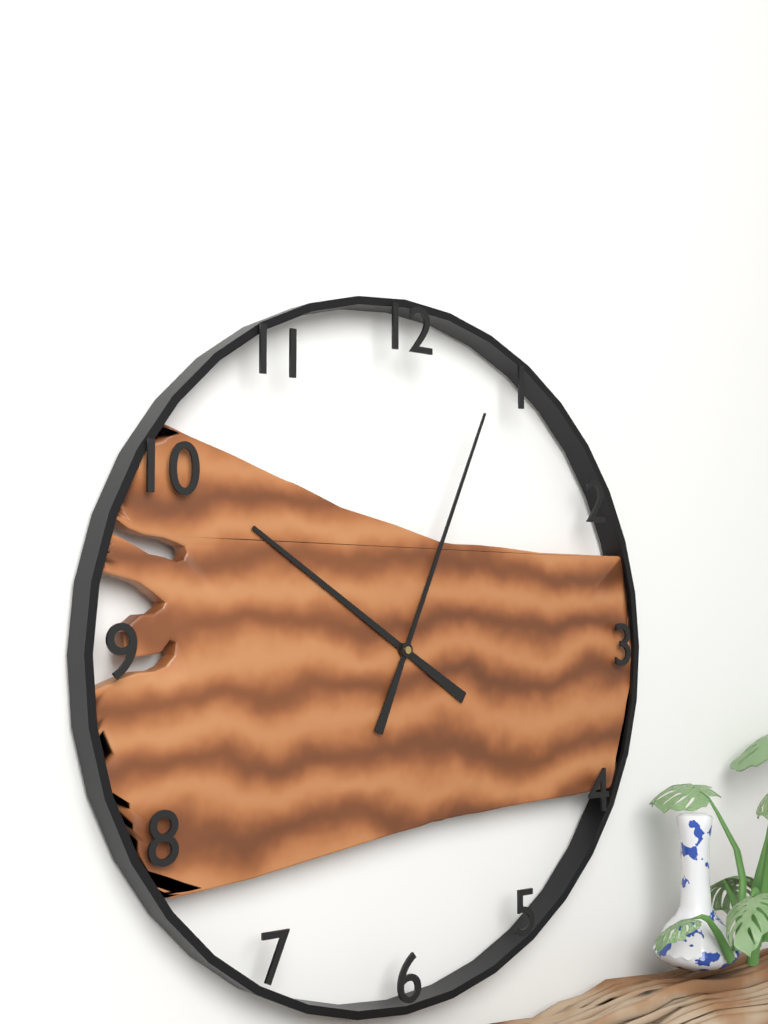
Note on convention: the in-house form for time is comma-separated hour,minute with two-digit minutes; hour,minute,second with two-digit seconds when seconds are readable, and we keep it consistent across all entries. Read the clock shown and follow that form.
10,04
